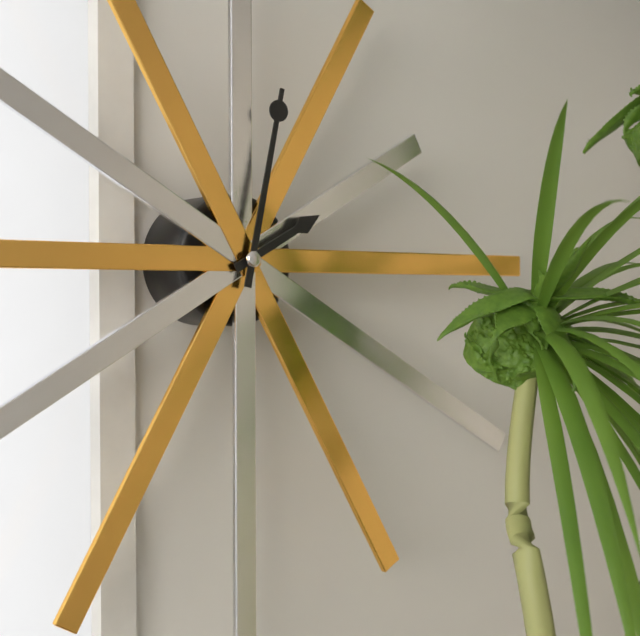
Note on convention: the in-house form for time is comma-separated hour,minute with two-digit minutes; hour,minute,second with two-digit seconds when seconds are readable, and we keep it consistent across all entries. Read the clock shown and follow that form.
2,02
